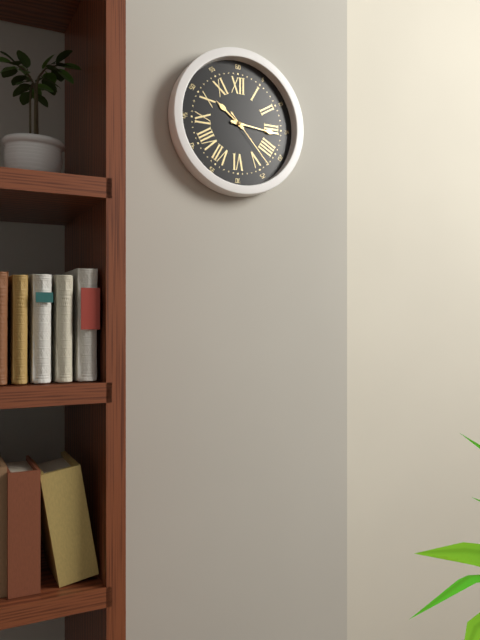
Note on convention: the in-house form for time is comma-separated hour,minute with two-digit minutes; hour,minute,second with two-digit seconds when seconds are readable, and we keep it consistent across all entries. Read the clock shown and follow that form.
10,16,23
